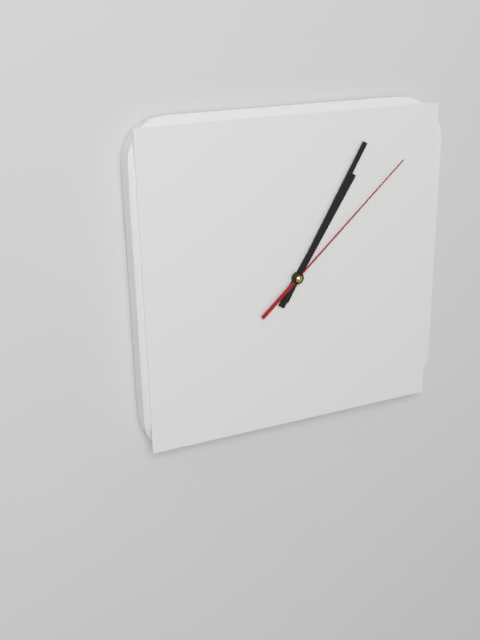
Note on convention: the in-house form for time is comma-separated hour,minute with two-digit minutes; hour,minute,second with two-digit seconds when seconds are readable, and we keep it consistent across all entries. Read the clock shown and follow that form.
1,05,08
